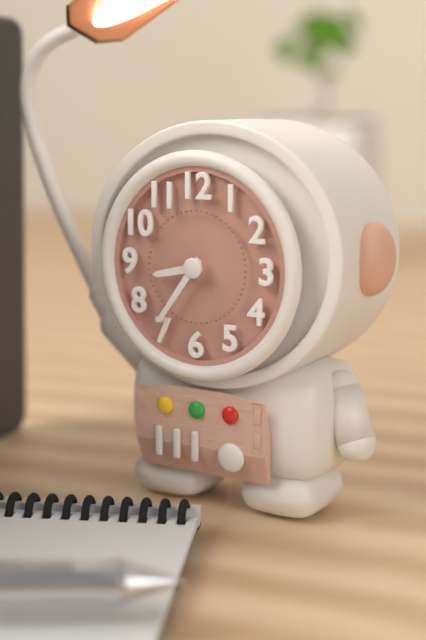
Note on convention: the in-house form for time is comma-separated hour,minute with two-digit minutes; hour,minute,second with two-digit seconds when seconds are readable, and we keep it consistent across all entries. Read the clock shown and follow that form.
8,36
